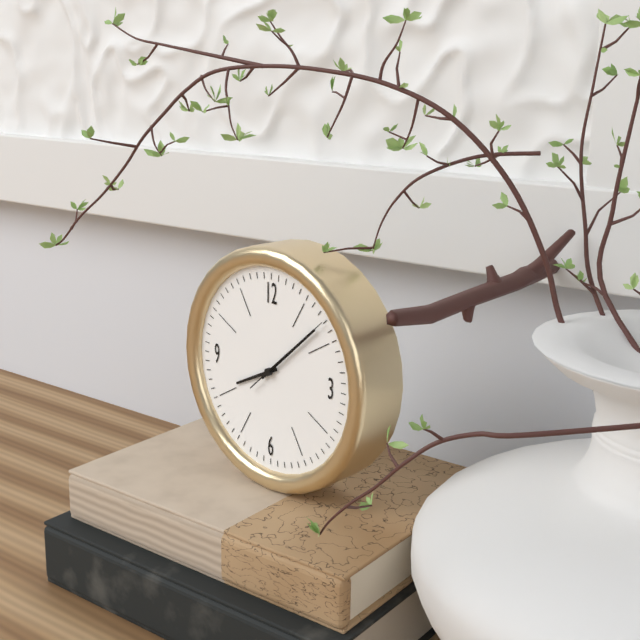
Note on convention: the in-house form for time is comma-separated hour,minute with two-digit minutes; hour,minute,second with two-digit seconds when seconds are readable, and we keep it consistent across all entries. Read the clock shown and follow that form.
8,08,08
